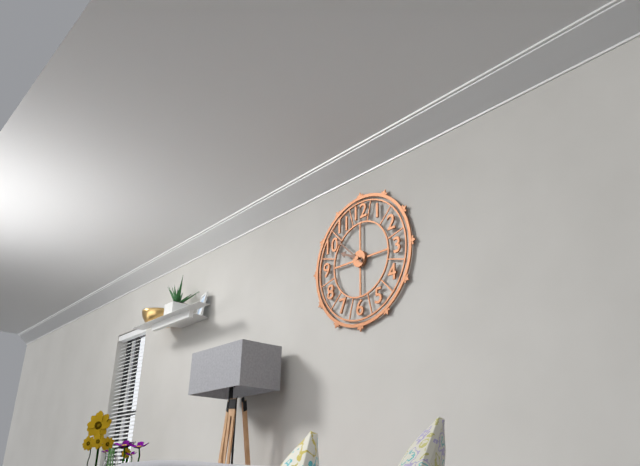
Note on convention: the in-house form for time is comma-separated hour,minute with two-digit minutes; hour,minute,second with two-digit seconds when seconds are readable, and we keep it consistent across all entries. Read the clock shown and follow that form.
9,52
